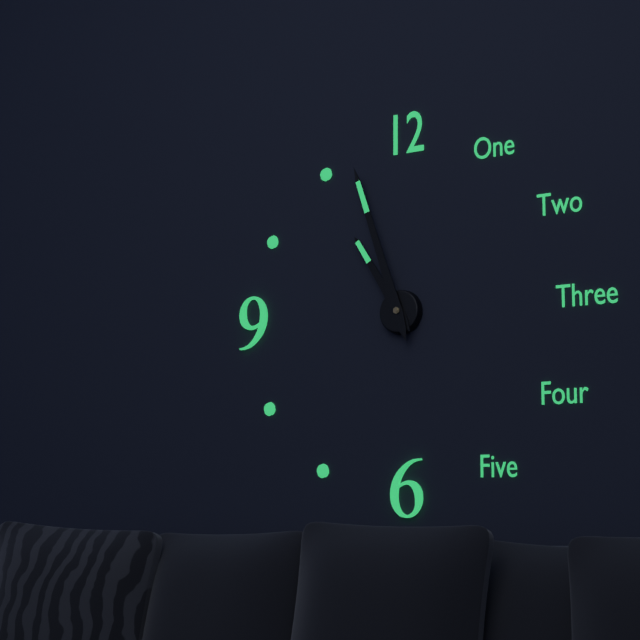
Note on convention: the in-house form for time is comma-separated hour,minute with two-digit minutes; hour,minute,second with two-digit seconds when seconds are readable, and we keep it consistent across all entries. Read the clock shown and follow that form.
10,57
